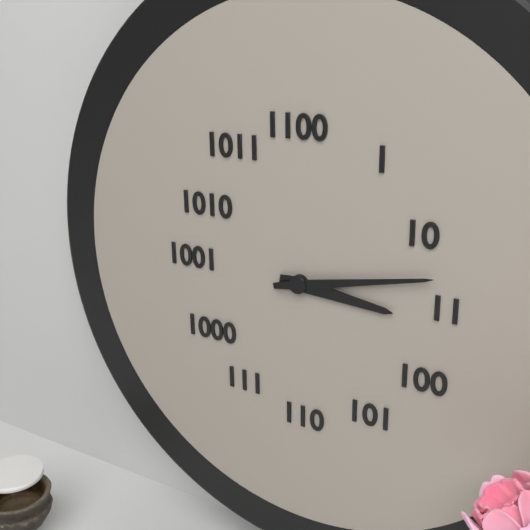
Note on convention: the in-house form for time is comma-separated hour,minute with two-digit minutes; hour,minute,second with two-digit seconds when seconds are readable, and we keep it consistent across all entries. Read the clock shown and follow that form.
3,13
